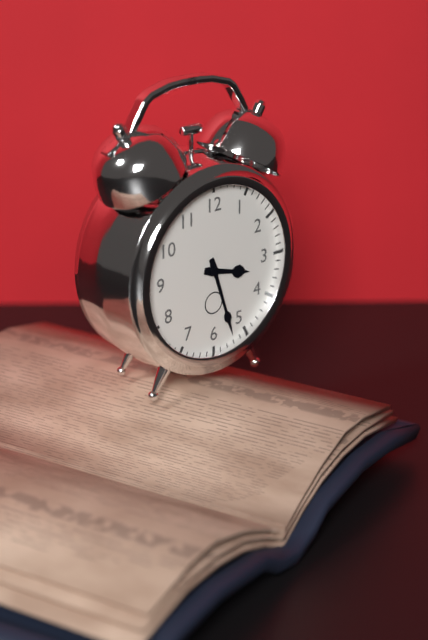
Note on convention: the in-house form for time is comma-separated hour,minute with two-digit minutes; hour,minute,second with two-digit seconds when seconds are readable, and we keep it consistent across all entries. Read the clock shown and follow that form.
3,27
